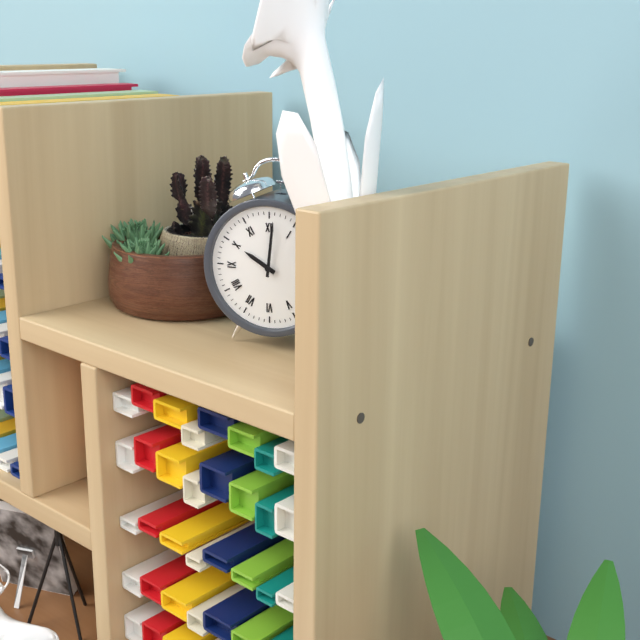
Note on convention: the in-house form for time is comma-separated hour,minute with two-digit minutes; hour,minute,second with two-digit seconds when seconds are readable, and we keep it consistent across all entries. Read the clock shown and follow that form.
10,01
